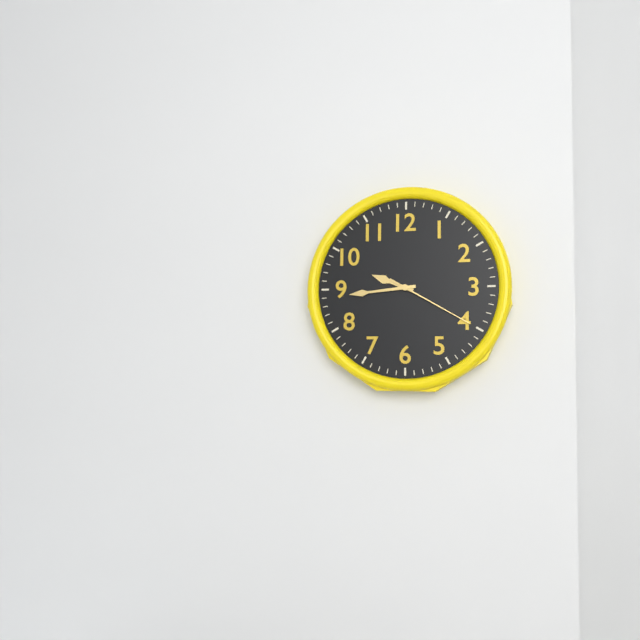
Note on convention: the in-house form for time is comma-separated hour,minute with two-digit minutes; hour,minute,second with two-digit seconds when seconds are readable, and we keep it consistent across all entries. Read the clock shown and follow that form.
9,44,20
